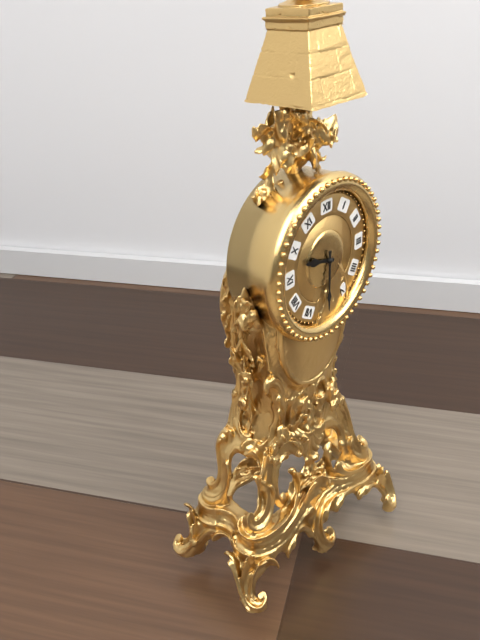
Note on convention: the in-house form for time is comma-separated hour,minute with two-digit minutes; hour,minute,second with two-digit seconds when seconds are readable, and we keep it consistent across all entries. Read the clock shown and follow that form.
9,30
